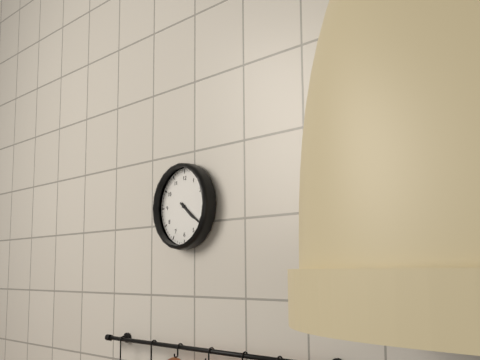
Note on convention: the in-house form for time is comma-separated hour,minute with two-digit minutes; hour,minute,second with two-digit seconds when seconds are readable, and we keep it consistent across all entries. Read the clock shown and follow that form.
4,21
